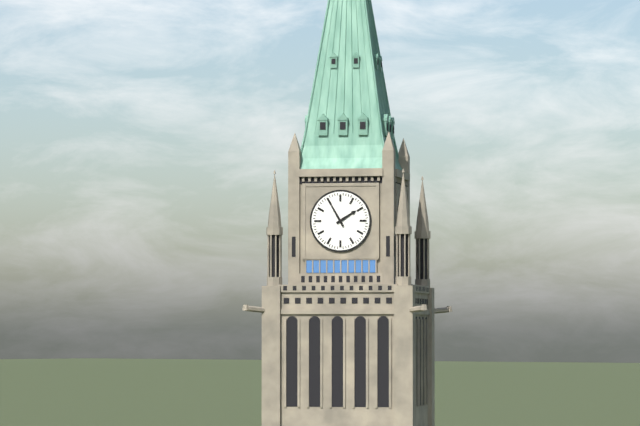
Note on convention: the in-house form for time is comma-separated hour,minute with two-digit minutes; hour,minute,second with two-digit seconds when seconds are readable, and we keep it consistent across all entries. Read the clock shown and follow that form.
1,55
